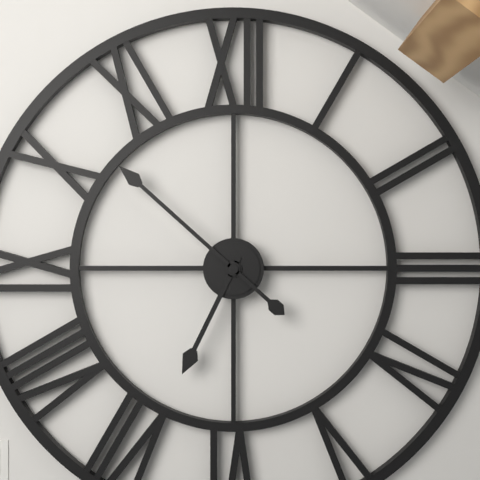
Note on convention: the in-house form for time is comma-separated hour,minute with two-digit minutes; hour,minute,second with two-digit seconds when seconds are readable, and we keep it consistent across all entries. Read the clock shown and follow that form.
6,52
